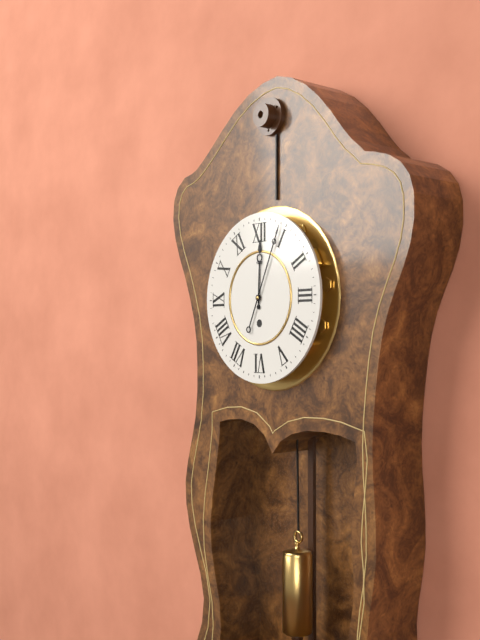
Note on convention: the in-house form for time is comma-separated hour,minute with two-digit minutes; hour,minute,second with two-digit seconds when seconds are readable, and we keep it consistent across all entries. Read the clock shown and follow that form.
12,04
